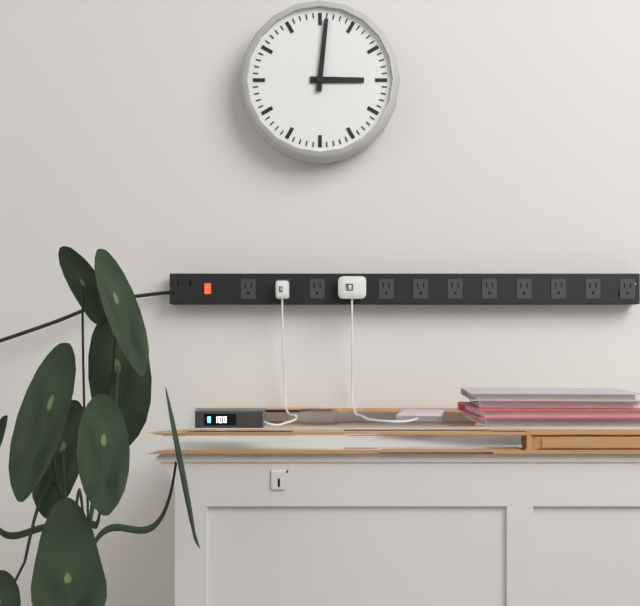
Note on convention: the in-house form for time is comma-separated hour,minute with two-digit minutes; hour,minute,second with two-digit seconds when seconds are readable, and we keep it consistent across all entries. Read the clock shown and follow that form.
3,01
